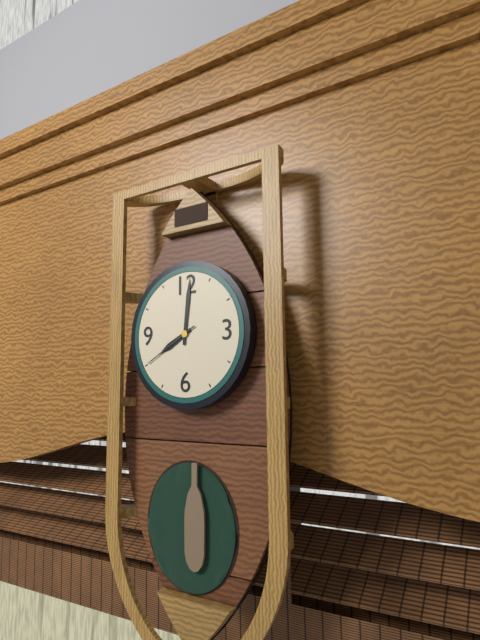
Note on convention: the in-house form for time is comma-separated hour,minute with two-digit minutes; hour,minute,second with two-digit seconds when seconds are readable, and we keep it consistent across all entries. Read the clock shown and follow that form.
8,01,40
